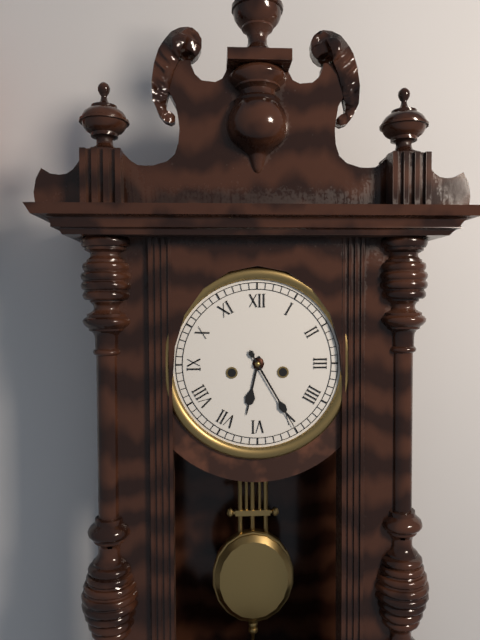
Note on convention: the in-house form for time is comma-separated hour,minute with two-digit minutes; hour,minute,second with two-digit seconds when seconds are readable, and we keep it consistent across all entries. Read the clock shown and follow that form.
6,25
